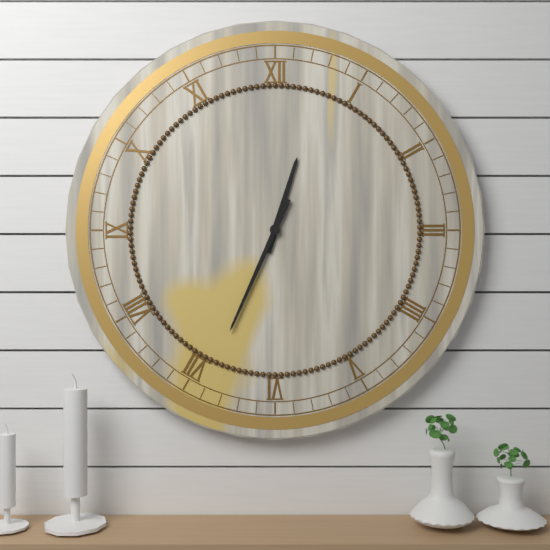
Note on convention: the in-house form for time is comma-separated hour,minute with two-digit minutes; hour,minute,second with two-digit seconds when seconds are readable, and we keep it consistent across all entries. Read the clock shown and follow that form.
12,34
